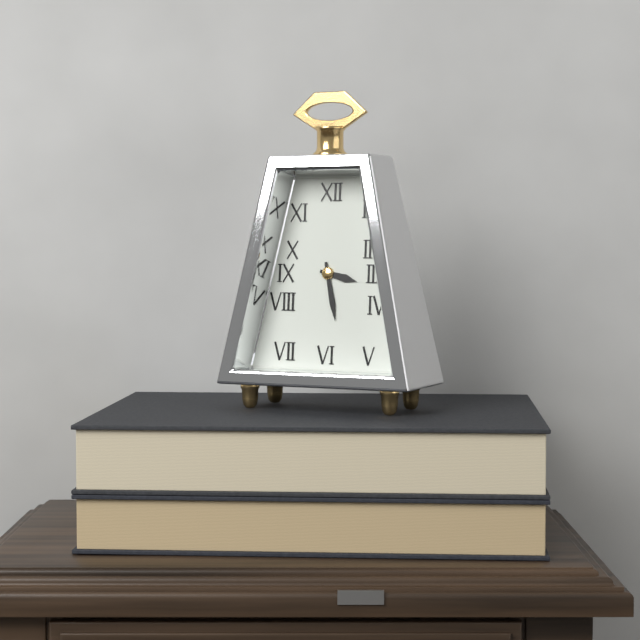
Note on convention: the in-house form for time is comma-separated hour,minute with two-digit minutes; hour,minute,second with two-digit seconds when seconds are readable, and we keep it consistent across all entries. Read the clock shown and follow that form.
3,28
